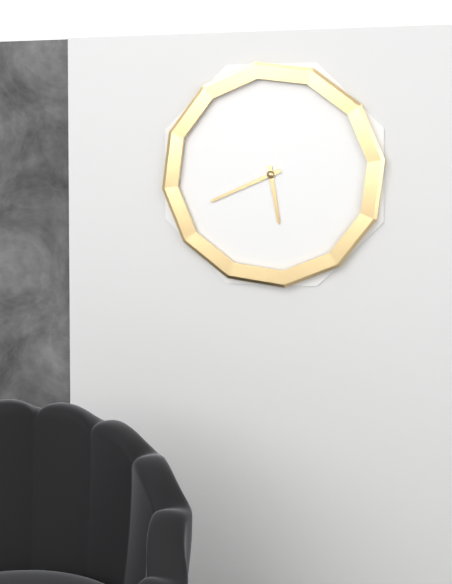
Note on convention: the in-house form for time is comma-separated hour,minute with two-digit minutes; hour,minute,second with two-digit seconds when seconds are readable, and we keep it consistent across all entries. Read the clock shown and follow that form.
5,41
